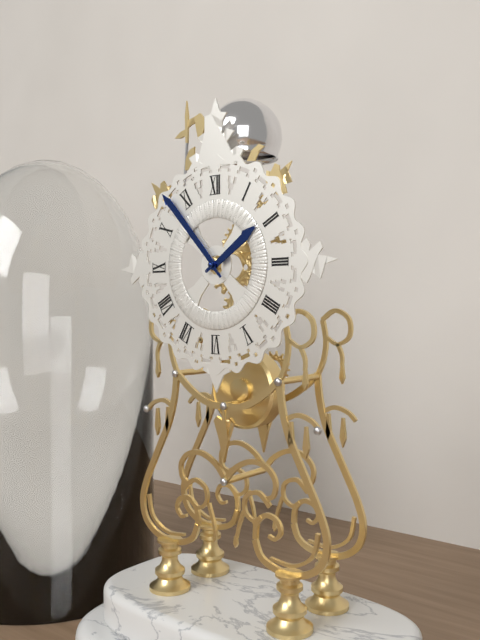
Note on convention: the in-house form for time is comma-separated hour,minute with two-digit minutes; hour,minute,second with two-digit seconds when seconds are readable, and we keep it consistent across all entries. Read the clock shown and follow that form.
1,53
